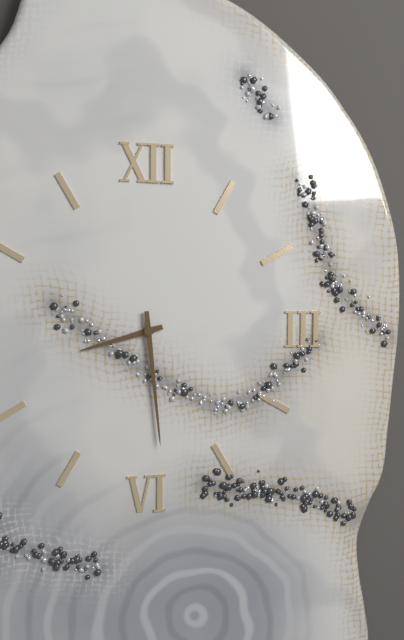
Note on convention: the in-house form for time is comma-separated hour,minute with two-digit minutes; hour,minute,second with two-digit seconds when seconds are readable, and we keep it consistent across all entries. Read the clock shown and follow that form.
8,29
